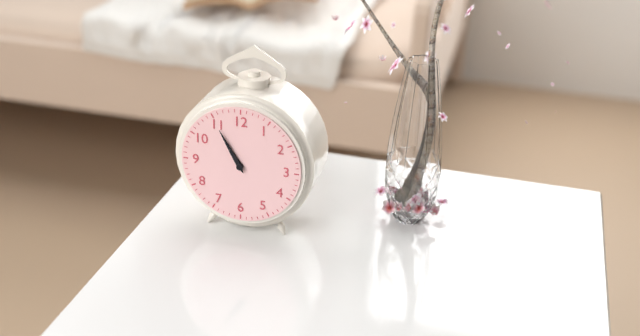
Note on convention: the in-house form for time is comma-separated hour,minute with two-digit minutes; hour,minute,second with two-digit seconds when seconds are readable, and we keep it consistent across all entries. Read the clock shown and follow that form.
10,55
